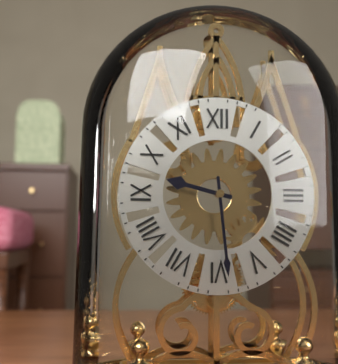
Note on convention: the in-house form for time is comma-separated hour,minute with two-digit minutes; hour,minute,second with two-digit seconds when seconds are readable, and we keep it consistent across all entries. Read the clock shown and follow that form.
9,29
